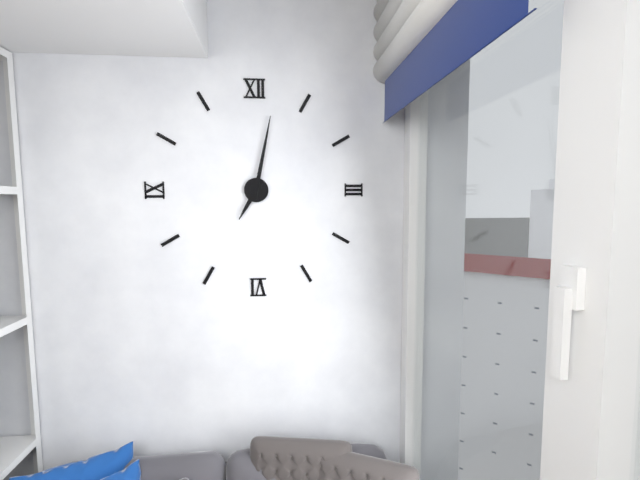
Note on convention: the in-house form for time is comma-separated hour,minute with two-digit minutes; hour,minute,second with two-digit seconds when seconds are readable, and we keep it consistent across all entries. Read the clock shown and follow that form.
7,02
